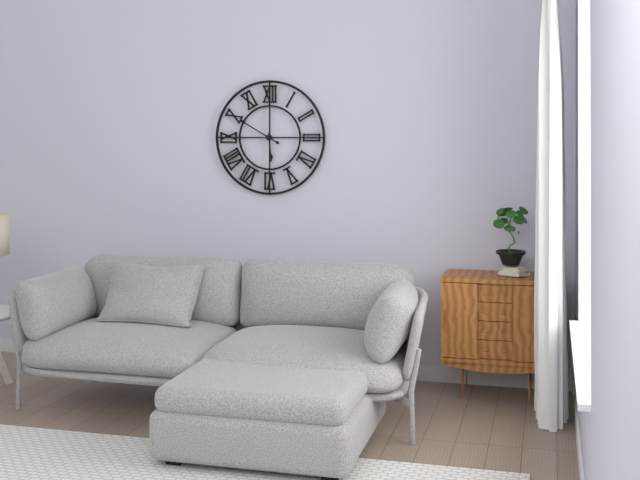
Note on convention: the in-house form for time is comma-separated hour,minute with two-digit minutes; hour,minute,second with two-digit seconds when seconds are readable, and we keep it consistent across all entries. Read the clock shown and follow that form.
5,50
